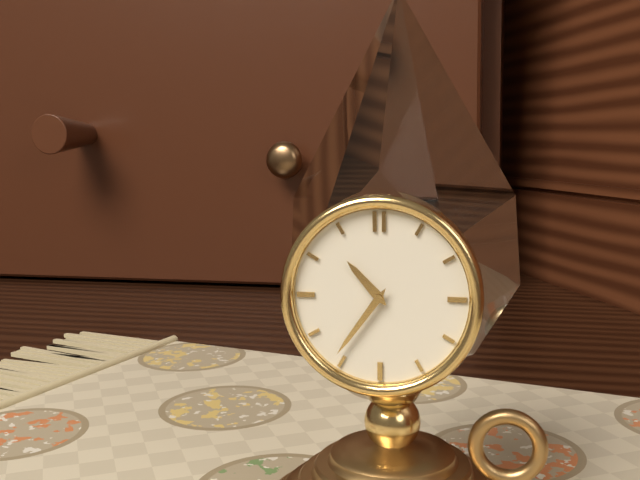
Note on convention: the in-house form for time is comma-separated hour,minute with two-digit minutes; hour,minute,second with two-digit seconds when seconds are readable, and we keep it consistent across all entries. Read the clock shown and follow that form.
10,36
